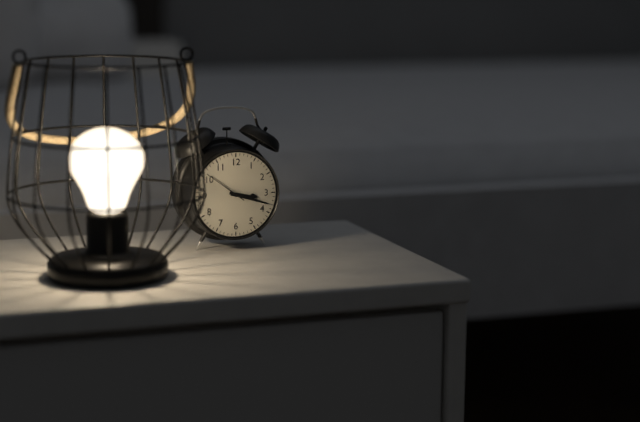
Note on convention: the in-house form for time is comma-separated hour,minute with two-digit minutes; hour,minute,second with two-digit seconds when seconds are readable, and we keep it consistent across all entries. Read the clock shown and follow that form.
3,18
